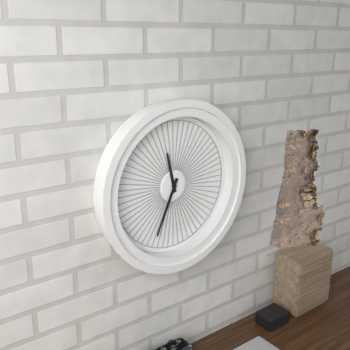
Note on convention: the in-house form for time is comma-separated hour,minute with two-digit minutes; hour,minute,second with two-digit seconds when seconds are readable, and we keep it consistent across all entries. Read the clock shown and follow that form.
11,34
